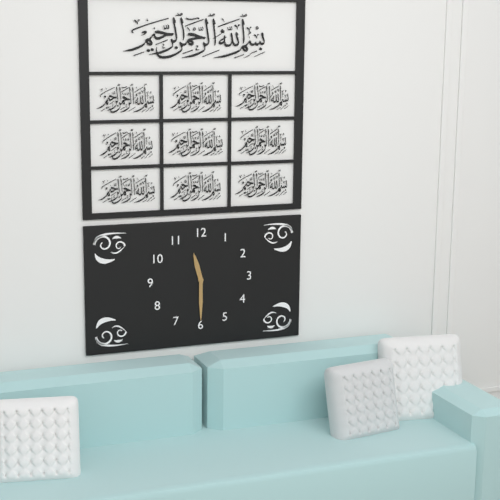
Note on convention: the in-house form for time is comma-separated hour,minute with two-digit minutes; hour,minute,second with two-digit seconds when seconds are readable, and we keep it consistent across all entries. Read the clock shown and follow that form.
11,30
